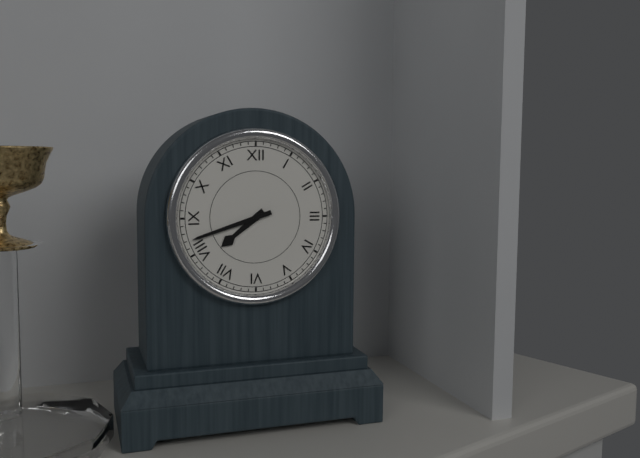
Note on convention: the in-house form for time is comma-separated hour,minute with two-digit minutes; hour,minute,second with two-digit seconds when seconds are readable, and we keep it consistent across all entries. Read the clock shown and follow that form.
7,42
